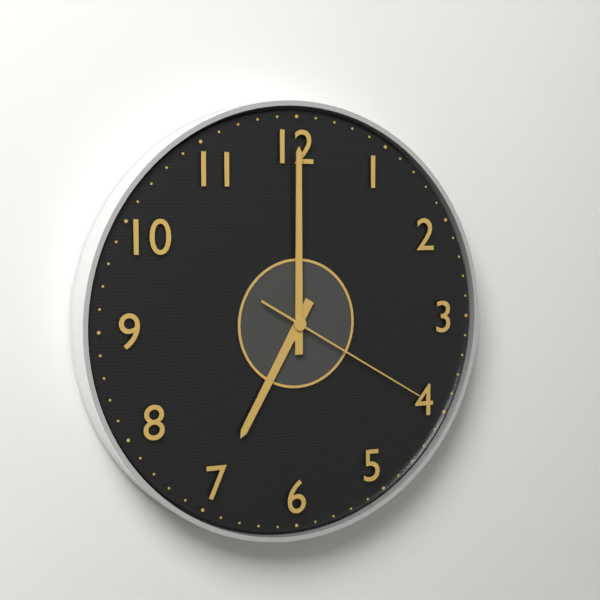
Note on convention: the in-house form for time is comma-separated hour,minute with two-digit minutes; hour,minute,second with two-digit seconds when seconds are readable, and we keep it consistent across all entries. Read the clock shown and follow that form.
7,00,20
